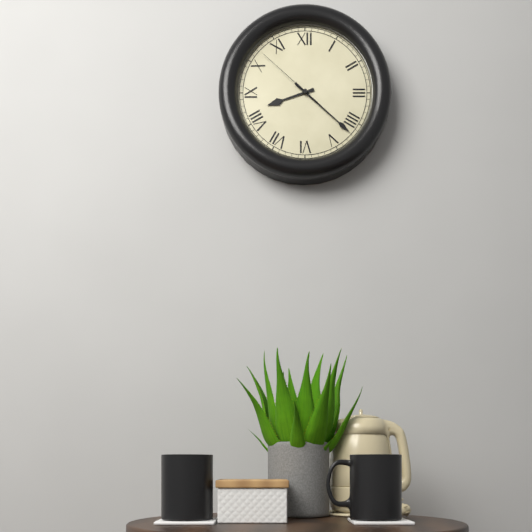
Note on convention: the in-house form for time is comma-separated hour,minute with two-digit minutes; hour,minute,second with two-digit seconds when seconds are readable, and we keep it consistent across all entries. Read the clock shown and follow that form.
8,22,52
